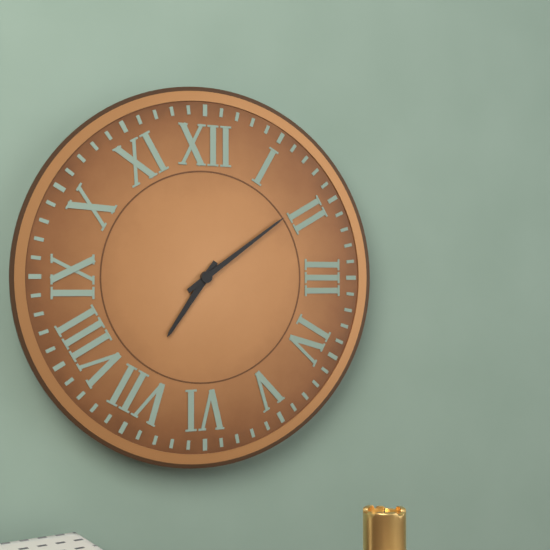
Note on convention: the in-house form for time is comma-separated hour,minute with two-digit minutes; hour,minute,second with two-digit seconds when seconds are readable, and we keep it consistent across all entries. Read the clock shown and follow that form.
7,09
